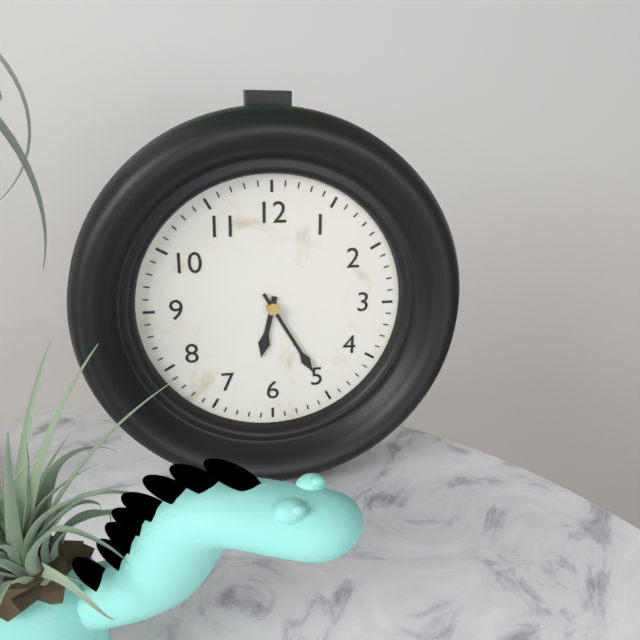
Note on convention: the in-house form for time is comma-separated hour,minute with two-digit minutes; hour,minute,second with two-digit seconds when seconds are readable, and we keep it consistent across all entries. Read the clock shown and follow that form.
6,25
